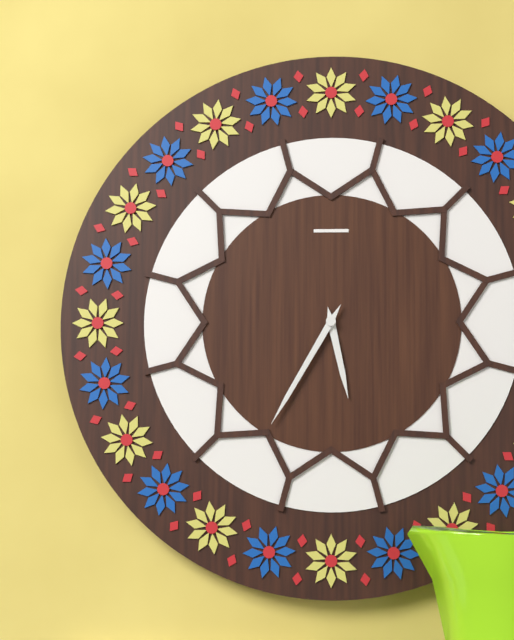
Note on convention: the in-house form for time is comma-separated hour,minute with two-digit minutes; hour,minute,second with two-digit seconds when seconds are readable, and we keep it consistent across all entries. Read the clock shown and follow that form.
5,35
